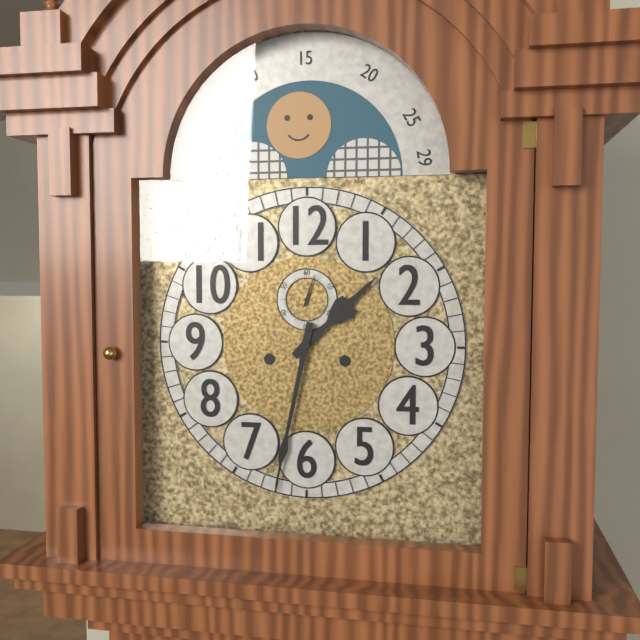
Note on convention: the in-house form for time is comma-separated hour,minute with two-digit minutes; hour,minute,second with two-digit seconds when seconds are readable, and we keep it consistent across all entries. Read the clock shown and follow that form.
1,32
